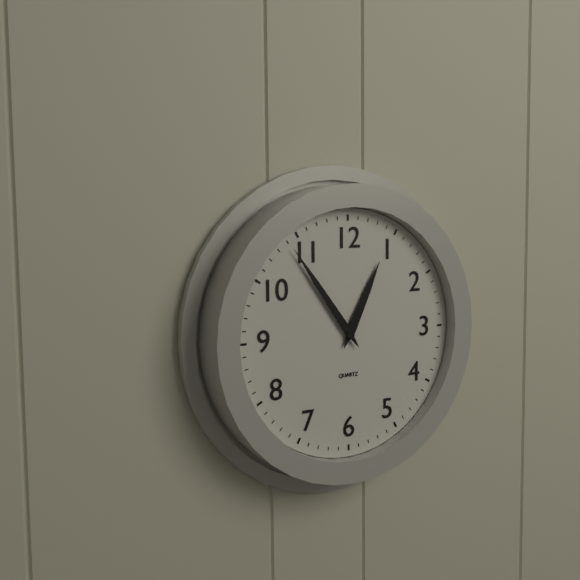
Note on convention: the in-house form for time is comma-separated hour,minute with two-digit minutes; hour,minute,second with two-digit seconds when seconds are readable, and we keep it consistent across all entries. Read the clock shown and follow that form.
12,54
